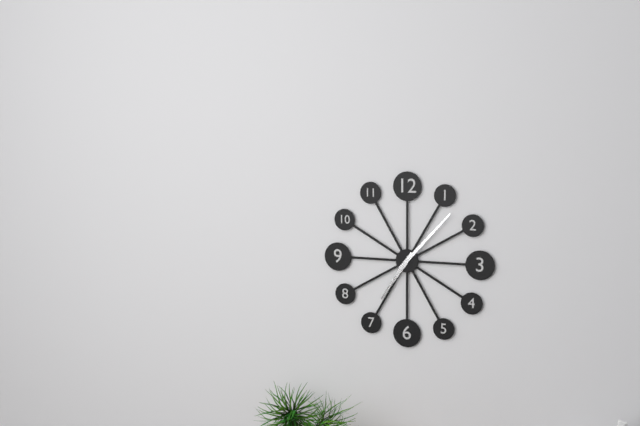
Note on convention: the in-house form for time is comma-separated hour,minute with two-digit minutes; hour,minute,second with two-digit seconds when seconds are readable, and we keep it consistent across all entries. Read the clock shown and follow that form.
7,07
